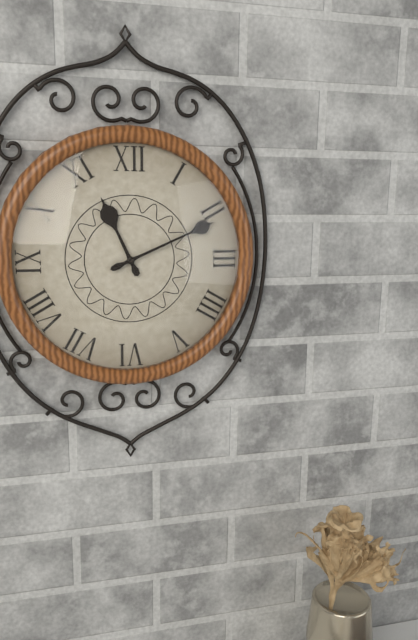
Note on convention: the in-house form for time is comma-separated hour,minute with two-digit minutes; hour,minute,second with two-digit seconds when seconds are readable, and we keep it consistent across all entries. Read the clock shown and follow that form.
11,11
